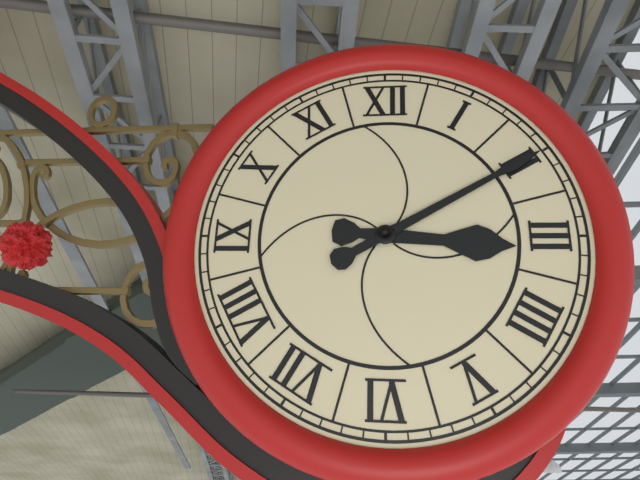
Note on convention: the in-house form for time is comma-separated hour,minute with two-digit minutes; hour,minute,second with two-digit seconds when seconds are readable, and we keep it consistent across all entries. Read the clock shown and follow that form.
3,10
